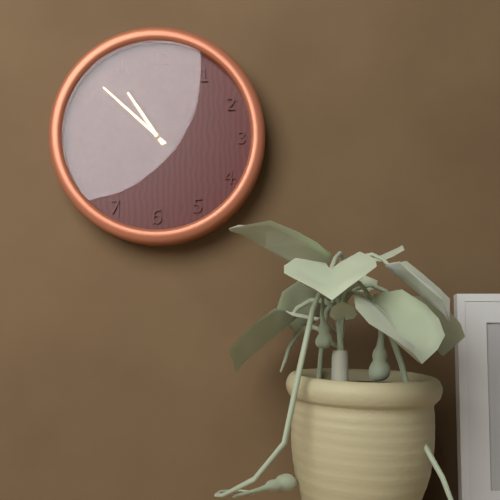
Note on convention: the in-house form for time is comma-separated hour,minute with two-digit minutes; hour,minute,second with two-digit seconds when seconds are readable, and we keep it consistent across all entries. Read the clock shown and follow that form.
10,52
